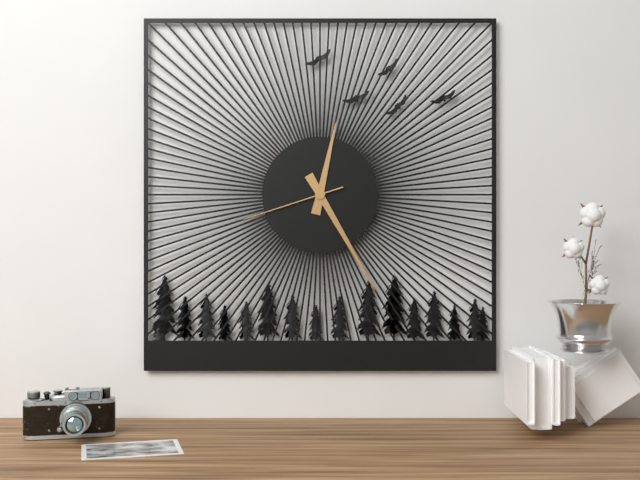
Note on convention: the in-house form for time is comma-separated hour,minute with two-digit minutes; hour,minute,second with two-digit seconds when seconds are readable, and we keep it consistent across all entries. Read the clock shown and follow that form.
12,25,42
